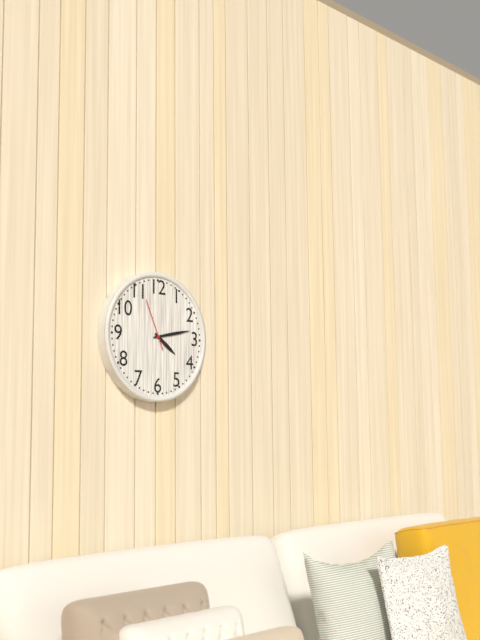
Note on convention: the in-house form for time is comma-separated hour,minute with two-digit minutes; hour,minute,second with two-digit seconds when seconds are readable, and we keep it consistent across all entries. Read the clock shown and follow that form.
4,13
